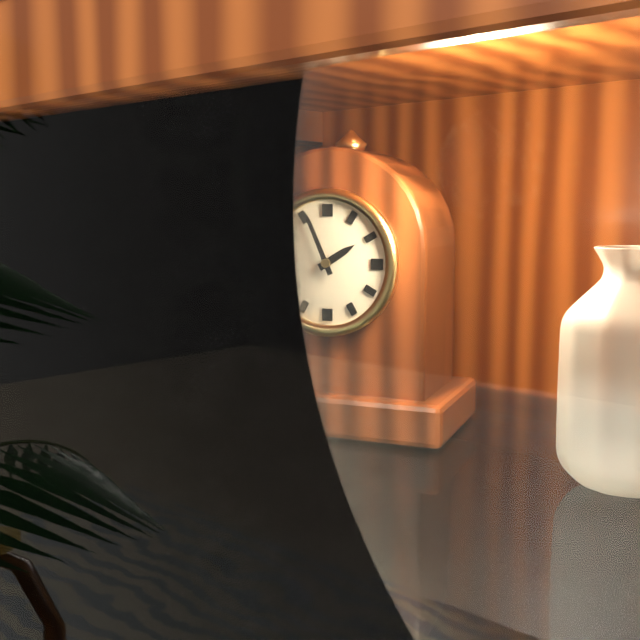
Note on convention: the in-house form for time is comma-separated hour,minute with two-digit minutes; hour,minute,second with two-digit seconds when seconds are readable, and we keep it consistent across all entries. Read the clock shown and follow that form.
1,56
